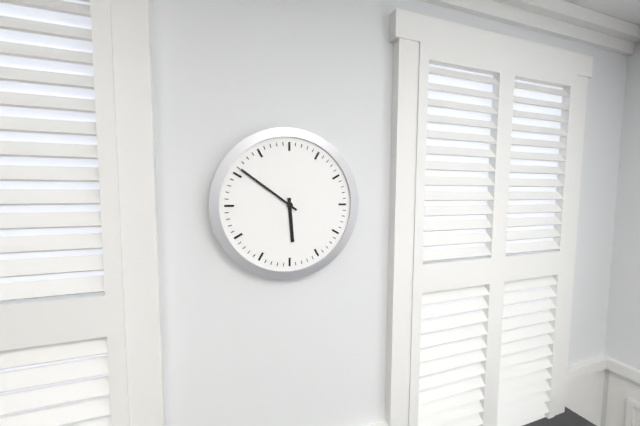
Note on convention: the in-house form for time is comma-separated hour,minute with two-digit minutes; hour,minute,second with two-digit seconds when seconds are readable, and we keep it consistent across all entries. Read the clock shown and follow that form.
5,51
